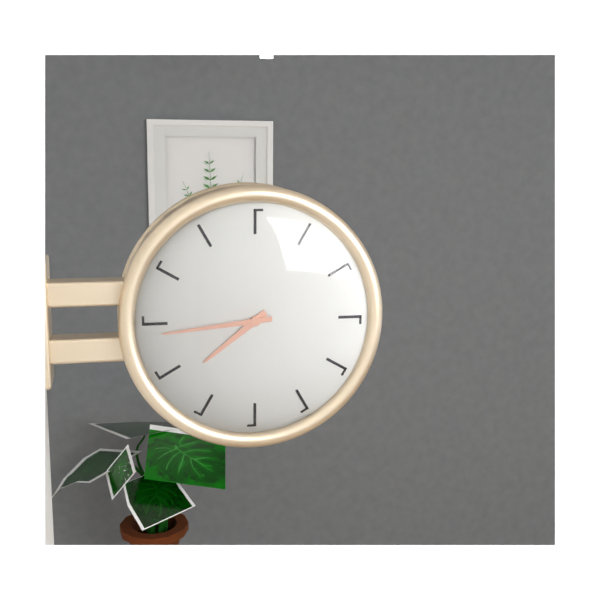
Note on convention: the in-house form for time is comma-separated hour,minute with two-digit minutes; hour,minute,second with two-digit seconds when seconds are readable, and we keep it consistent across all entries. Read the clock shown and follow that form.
7,44
